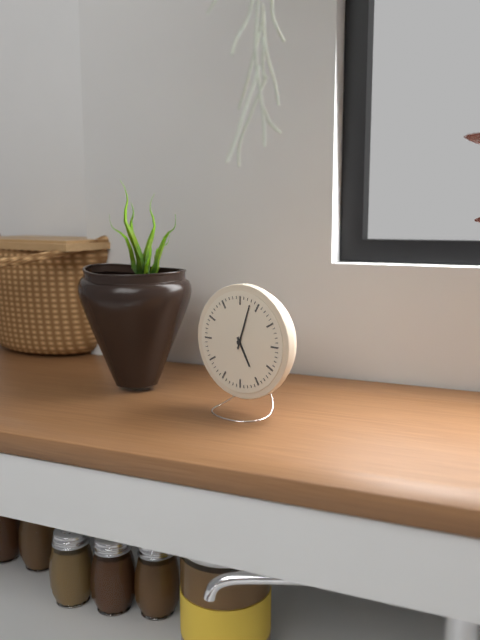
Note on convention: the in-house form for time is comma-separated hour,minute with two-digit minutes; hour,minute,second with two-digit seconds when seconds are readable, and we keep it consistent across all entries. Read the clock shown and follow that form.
5,03
